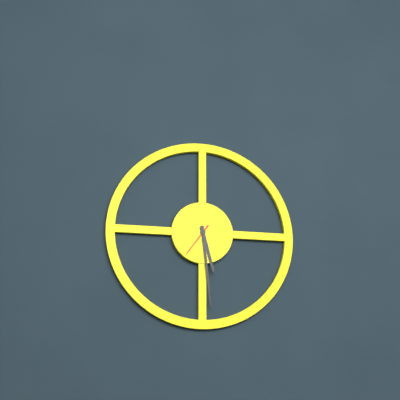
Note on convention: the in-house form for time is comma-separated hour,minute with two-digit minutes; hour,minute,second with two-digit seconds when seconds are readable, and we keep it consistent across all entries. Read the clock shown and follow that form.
5,29
